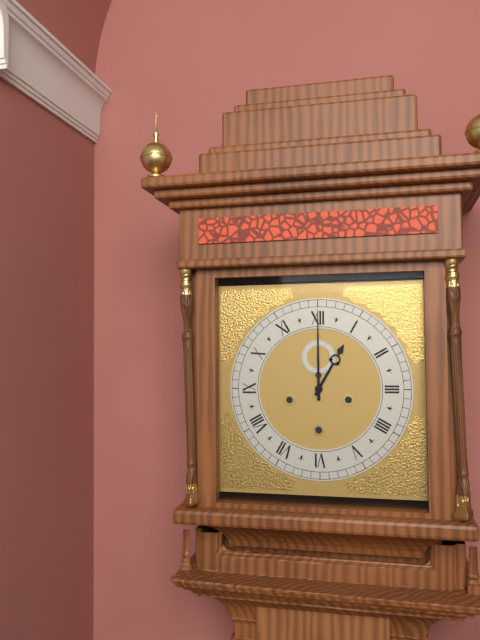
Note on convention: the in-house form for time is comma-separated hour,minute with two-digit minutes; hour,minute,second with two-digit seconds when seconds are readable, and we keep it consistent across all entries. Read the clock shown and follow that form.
1,00
